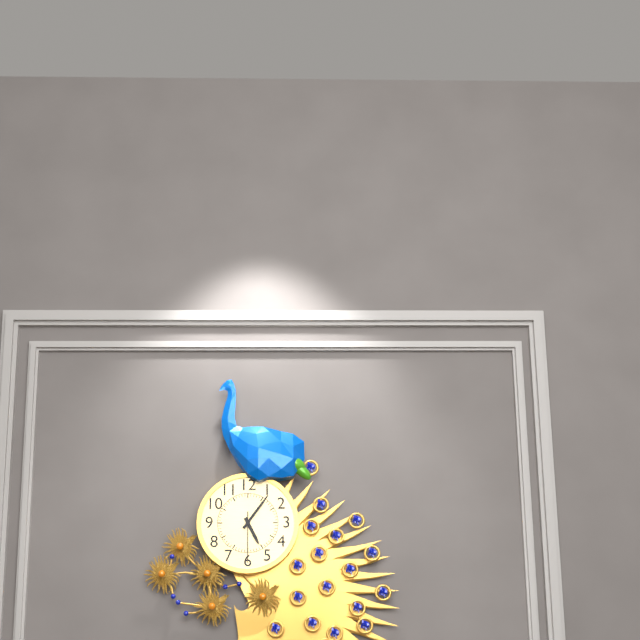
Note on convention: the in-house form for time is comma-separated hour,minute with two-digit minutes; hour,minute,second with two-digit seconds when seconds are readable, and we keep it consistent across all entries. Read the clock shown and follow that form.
5,06,30
